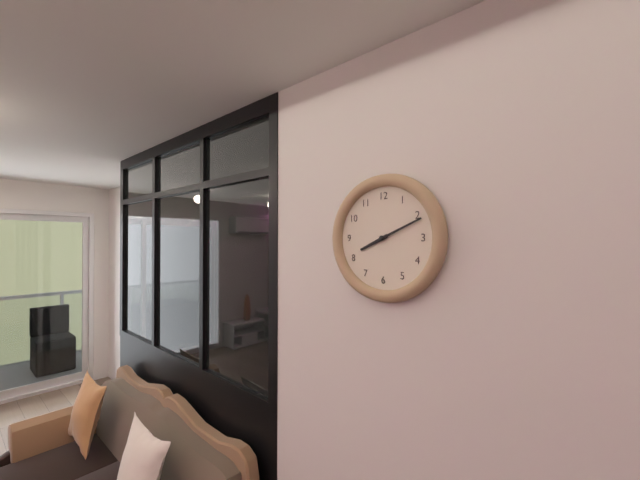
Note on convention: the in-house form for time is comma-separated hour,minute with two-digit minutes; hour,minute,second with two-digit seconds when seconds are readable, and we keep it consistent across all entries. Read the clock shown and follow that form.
8,11
